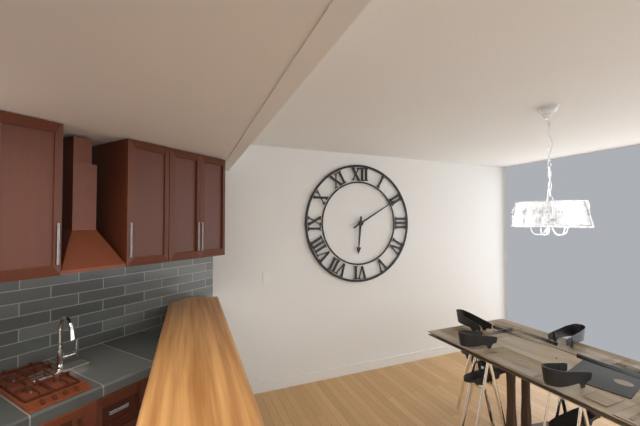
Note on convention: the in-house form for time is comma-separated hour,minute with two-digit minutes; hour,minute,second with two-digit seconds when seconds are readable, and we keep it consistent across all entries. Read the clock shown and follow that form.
6,10
